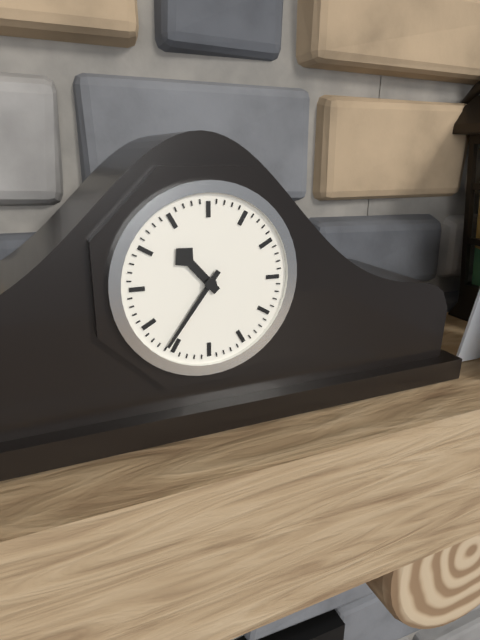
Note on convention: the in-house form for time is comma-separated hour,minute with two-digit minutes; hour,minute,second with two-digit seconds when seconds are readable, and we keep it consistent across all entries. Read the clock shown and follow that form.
10,36
